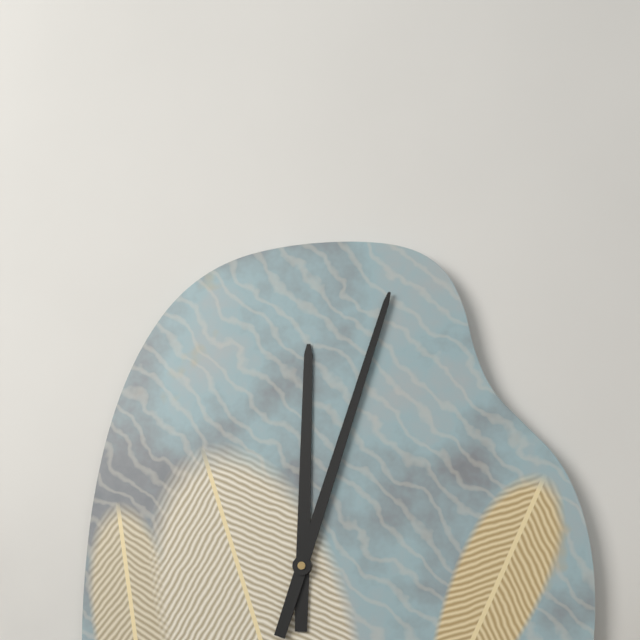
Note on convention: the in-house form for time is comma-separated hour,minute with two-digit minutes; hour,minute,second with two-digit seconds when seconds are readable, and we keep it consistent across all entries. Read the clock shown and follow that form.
12,03
